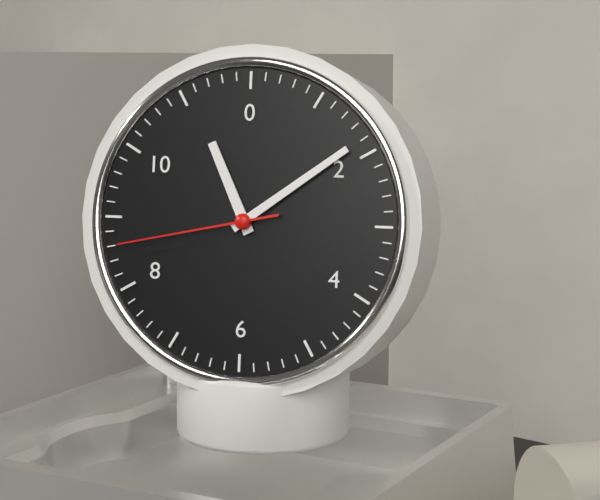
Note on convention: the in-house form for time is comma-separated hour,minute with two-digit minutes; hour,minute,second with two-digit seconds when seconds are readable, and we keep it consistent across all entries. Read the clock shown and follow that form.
11,09,43
